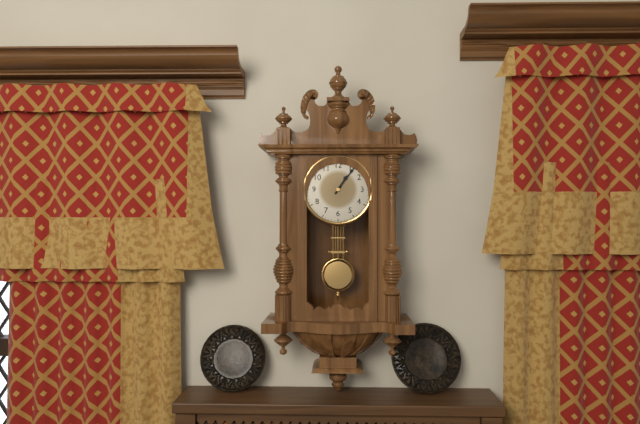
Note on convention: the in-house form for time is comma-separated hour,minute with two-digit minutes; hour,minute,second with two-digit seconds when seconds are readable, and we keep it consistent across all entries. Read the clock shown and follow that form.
1,06
